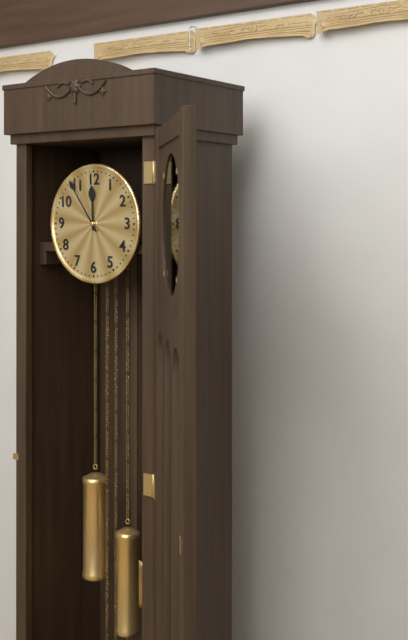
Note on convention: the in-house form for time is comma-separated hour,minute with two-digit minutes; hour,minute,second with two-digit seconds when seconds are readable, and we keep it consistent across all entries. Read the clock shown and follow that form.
11,54
